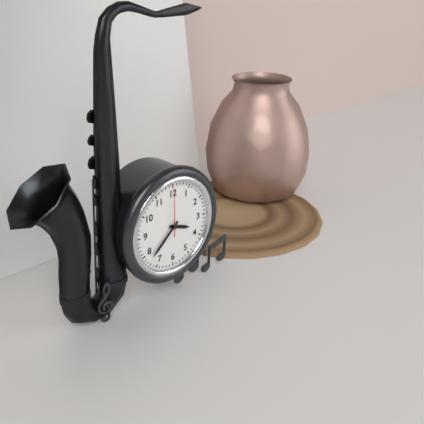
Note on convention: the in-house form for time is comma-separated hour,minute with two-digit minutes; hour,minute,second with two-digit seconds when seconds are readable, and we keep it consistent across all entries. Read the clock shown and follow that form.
3,38
